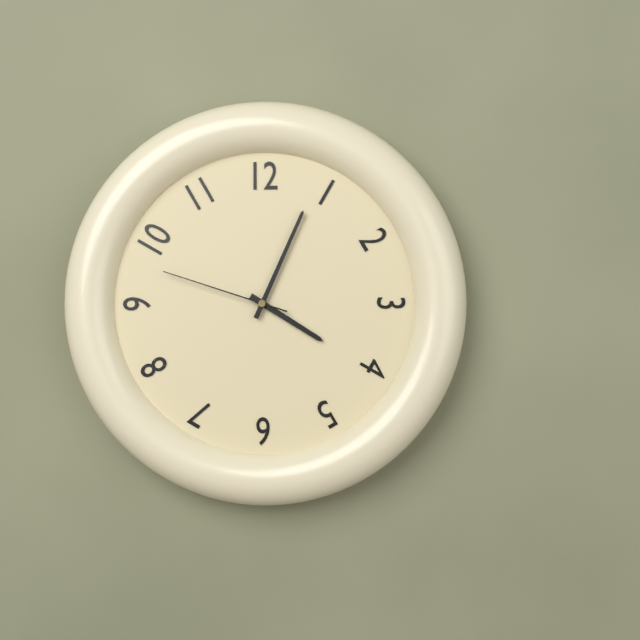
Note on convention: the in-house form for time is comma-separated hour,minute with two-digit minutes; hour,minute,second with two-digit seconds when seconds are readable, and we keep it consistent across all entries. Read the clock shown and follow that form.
4,04,48
